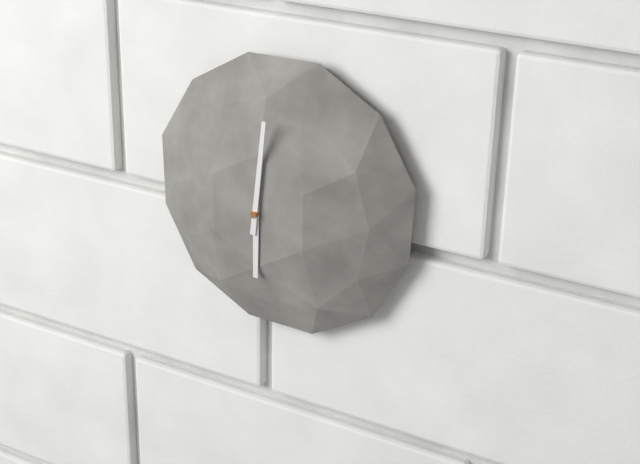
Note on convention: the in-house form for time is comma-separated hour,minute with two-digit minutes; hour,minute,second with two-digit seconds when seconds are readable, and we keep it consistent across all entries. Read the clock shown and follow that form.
6,01
